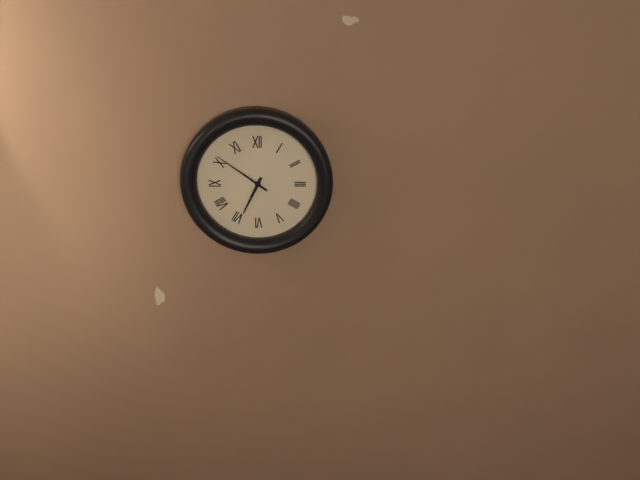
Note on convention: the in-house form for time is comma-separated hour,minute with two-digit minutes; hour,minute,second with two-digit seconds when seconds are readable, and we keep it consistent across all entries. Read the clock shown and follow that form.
6,51
